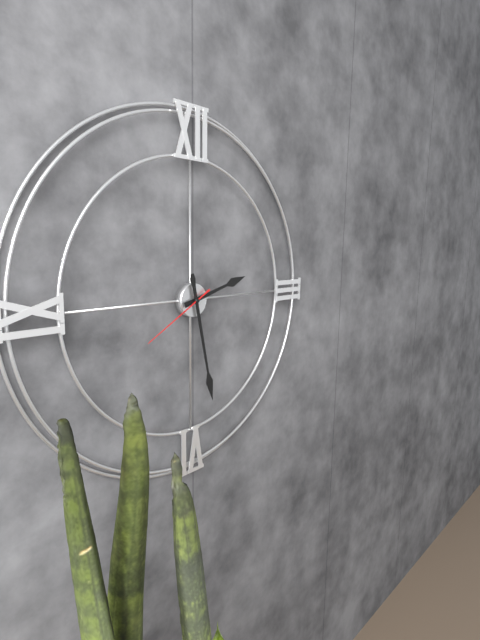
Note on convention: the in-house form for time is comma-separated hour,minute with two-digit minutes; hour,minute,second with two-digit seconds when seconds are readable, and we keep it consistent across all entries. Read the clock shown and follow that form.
2,28,40
